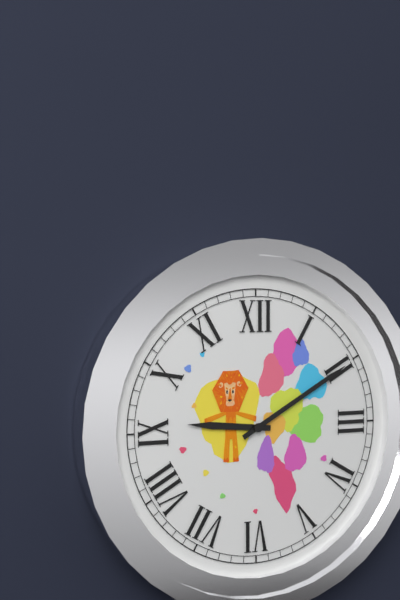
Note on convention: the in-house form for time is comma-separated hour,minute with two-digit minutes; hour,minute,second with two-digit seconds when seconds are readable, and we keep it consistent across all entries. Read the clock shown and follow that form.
9,10
